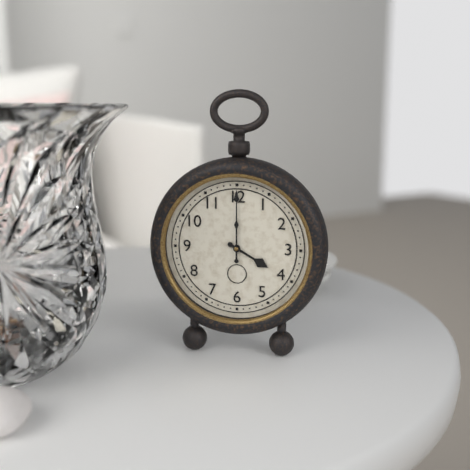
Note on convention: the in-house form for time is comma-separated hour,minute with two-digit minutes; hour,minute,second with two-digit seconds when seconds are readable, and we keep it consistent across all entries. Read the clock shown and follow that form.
4,00
